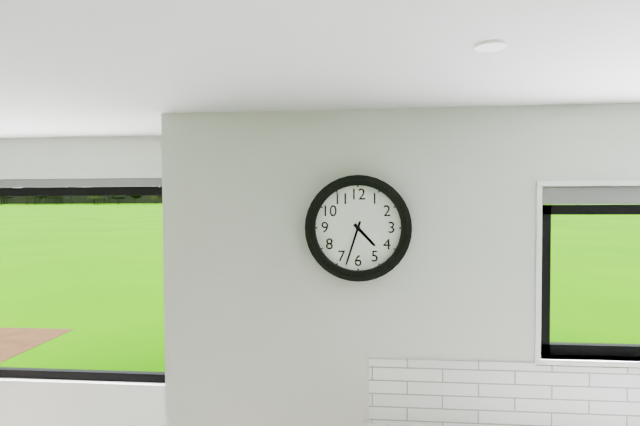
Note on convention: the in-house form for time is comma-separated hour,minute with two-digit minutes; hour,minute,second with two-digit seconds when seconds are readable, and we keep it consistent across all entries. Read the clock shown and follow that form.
4,33
